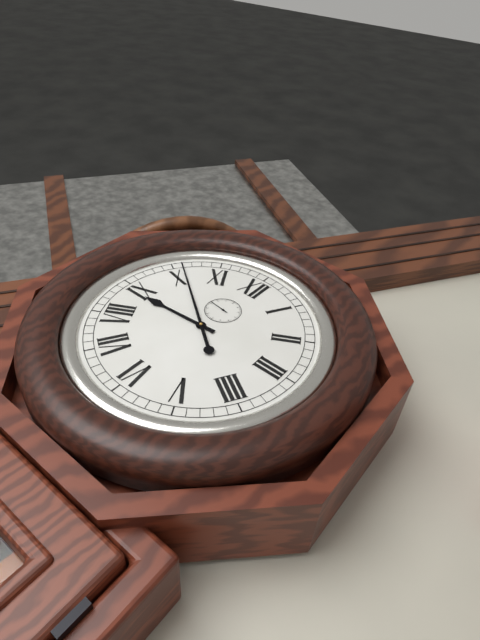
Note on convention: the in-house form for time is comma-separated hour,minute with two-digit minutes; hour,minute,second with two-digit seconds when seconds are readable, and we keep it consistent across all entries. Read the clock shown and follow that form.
8,51
